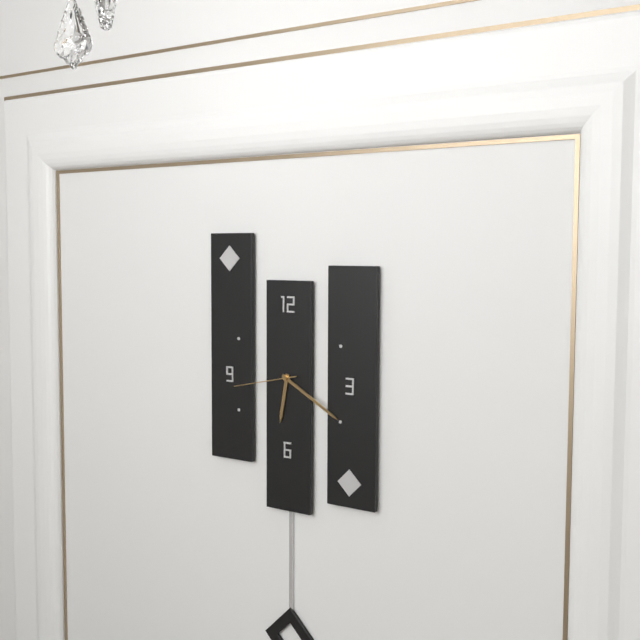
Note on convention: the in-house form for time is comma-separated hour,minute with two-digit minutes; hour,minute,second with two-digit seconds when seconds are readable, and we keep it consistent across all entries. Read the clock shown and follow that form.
6,20,43
